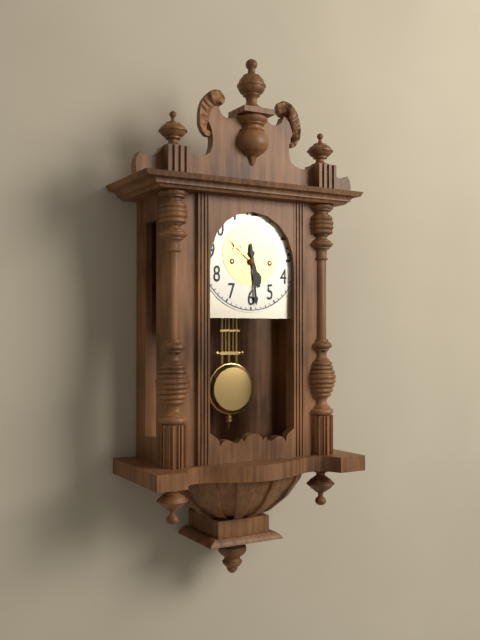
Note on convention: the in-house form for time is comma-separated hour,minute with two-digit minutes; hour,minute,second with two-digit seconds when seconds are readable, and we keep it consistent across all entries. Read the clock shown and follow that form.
5,29
